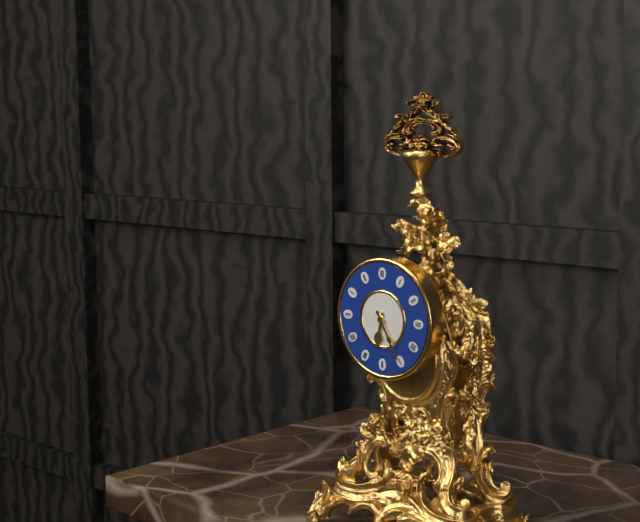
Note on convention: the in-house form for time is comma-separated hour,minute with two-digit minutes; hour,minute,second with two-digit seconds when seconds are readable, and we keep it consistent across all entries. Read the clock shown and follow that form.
6,25
